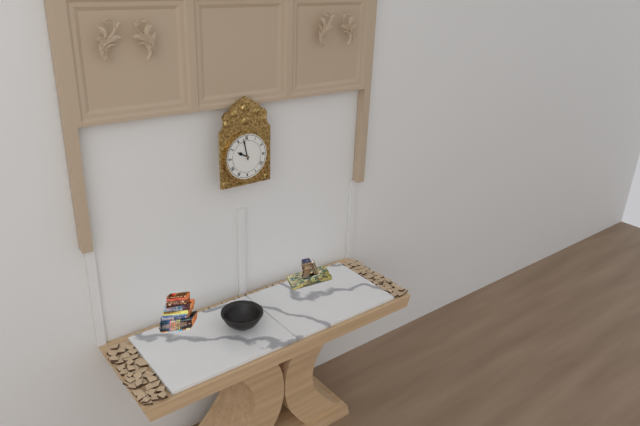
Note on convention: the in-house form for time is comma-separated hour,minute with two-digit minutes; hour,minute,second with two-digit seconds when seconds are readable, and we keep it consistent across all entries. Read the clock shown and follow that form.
9,58
